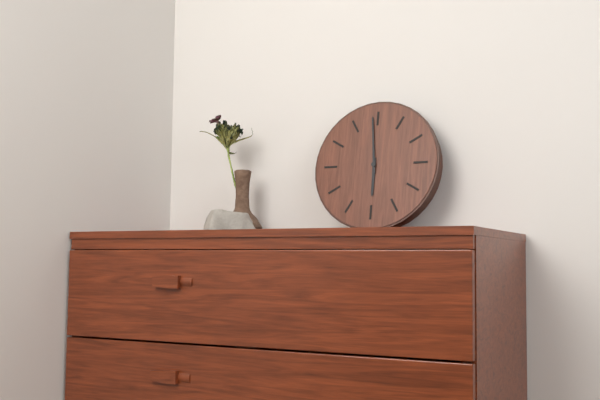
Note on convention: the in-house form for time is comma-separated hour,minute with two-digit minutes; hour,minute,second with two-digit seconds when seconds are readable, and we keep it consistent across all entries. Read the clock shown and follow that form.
5,59
